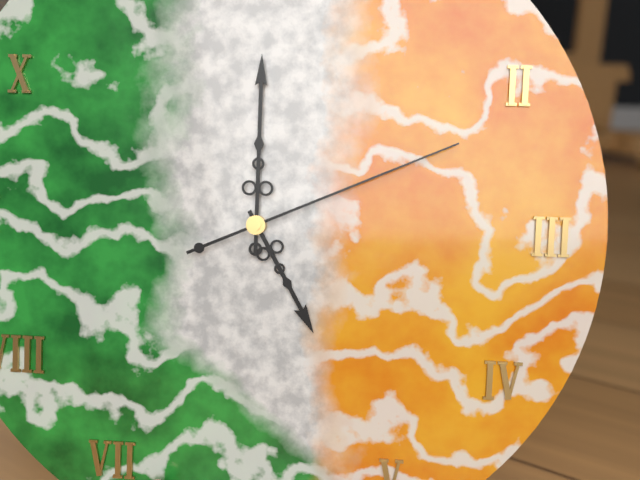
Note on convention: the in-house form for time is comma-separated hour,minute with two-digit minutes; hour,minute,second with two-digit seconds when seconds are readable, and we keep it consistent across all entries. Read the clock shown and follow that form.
5,00,11
